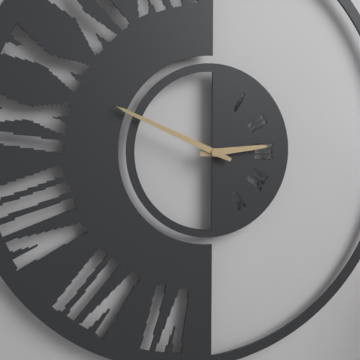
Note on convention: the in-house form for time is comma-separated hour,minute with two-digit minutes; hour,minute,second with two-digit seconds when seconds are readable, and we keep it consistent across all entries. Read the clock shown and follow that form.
2,49
